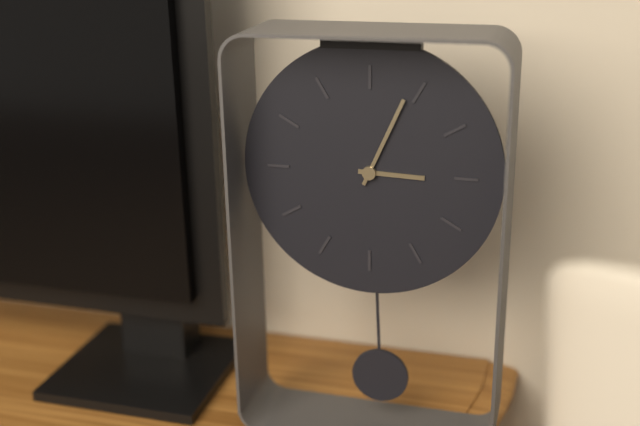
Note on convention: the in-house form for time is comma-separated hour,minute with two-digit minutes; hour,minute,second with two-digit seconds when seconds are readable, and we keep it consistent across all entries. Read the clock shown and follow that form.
3,04
